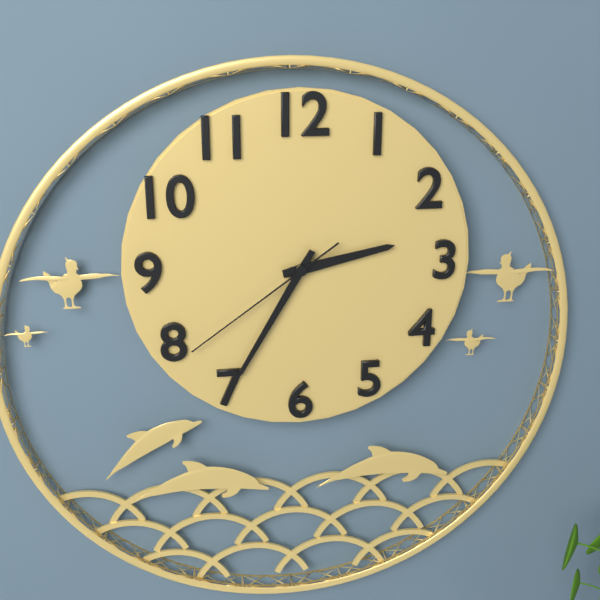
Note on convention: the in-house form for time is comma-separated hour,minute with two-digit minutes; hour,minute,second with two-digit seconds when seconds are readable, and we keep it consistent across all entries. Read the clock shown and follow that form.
2,35,39
